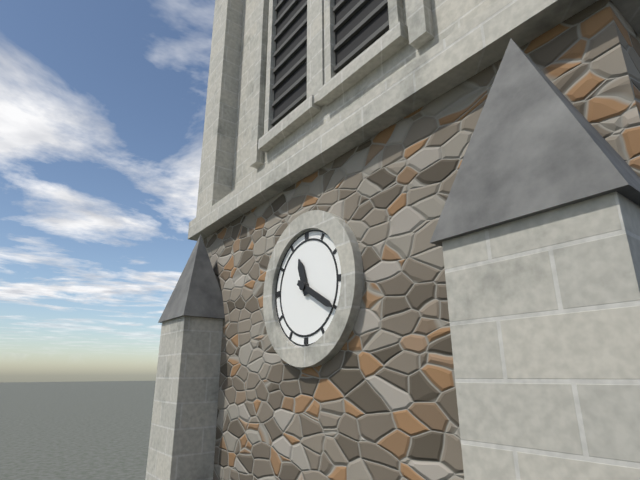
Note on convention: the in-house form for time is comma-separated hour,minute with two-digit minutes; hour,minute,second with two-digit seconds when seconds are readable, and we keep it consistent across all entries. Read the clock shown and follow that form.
11,20
